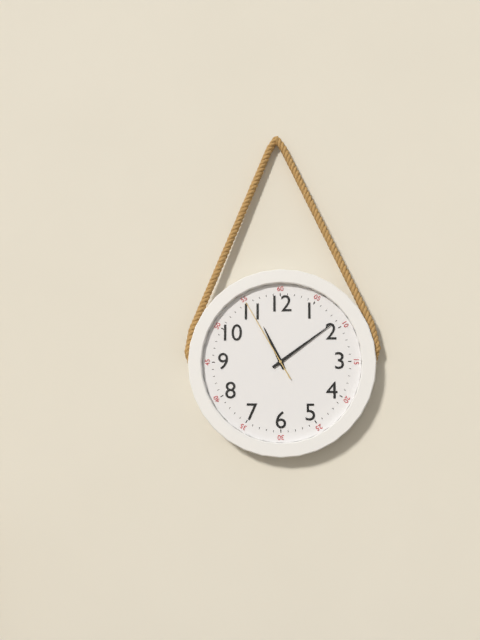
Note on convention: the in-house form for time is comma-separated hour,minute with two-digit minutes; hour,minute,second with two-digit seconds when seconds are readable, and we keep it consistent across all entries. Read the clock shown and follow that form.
11,09,55
